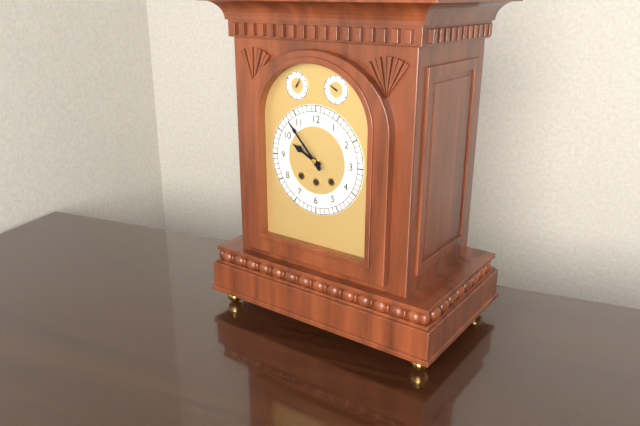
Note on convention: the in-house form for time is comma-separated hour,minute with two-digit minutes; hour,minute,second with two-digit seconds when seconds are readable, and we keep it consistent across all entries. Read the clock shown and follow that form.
9,53
